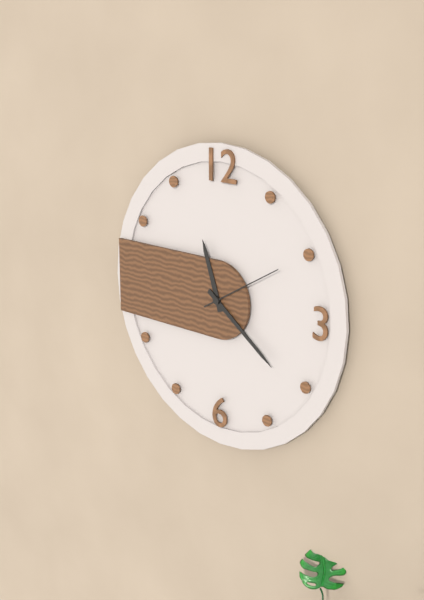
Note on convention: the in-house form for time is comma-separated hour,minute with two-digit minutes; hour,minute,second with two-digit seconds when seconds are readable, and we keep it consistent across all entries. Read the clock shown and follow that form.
11,21,10
